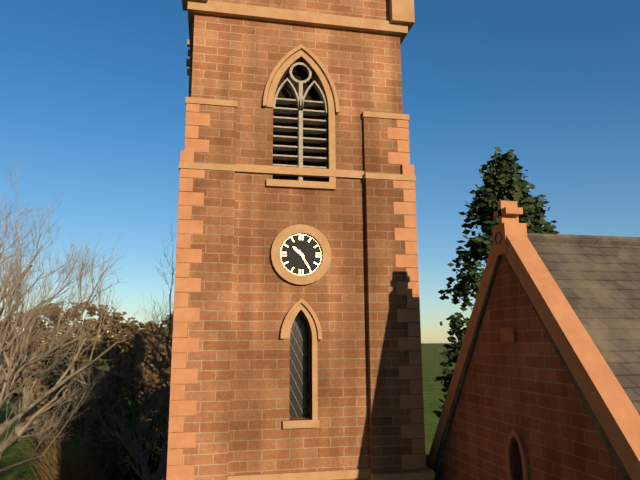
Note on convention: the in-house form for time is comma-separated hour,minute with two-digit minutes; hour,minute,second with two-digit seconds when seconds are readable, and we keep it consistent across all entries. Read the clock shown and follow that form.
10,25
